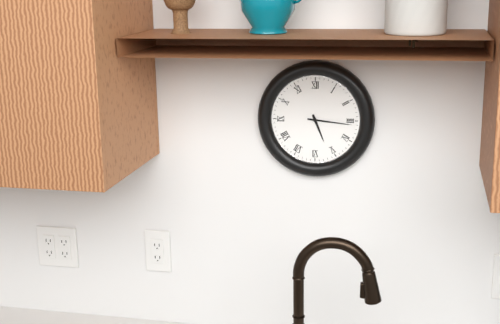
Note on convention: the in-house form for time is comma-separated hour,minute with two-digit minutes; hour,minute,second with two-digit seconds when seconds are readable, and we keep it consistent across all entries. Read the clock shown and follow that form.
5,16
